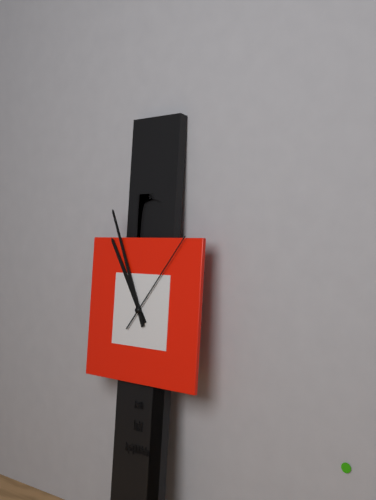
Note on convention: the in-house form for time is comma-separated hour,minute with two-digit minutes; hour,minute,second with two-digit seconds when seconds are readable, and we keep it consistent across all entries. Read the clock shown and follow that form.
10,56,06
